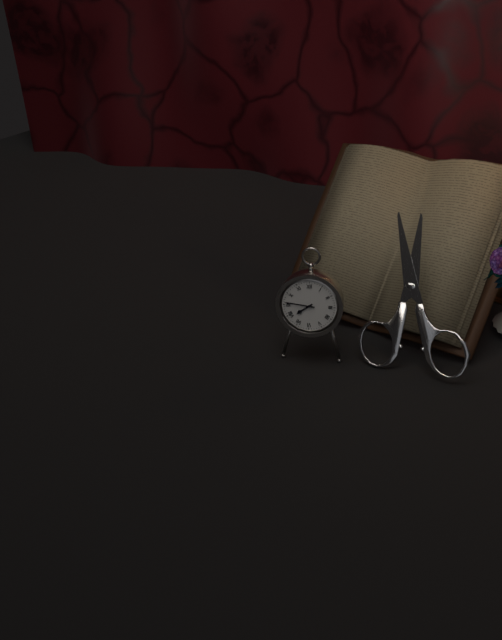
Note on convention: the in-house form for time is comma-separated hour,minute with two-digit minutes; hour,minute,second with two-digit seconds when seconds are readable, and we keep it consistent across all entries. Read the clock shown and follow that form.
7,46
